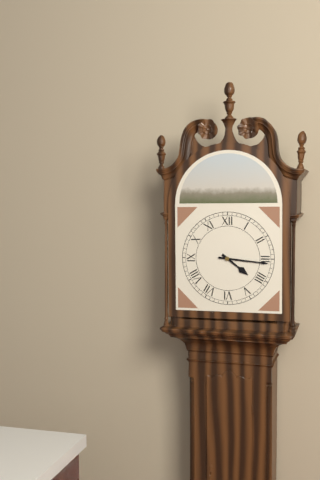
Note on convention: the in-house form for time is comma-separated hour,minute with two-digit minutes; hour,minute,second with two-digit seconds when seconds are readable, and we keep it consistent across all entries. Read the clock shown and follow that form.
4,16
